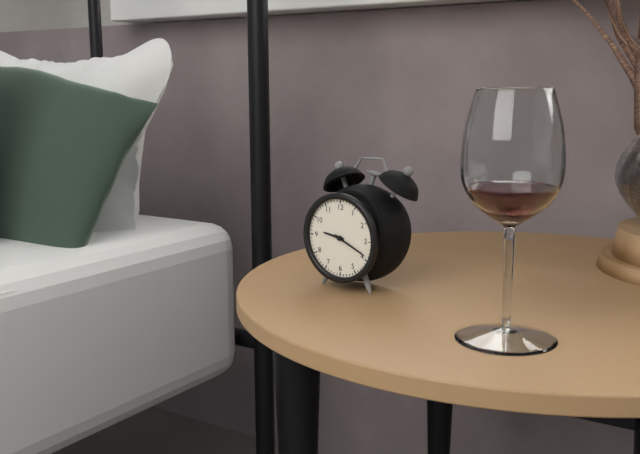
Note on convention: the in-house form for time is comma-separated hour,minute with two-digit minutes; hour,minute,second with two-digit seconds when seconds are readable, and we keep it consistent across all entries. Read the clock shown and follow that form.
9,19
